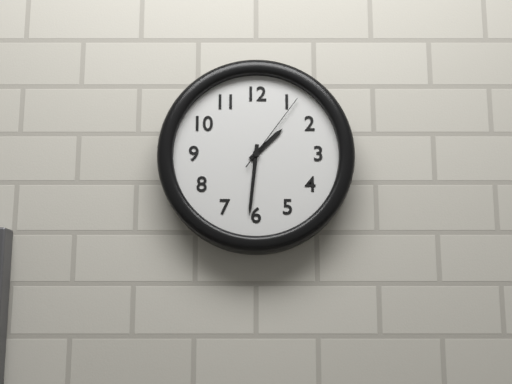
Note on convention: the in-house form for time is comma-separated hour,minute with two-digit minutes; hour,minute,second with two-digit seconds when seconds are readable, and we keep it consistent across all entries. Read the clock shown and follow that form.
1,31,06
